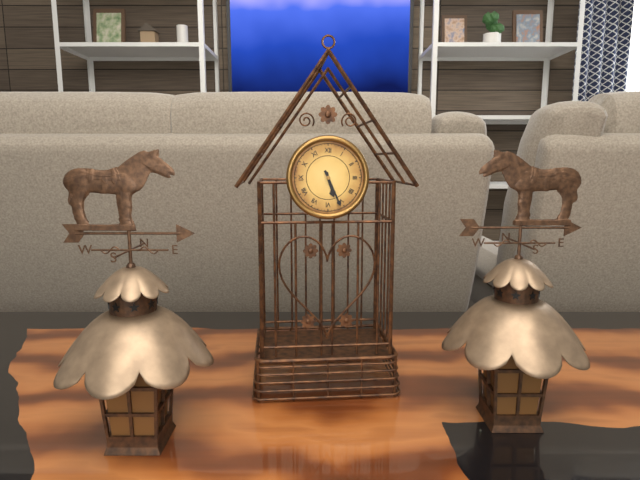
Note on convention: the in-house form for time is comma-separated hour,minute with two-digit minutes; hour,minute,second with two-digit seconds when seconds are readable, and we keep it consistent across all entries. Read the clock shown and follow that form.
5,26
